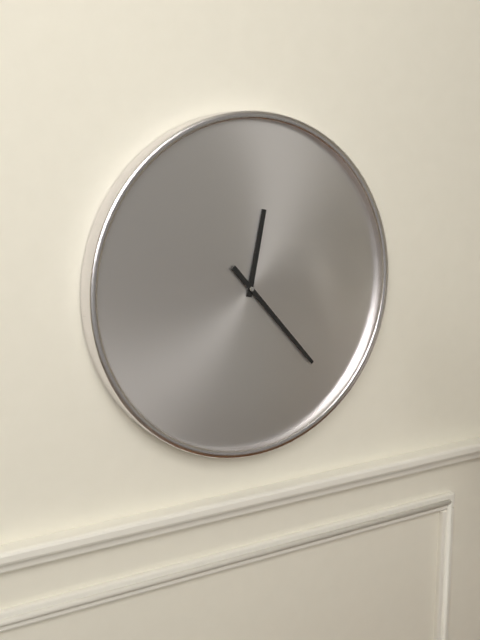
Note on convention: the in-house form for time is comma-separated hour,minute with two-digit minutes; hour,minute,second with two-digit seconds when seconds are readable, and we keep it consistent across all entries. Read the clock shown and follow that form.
12,23
